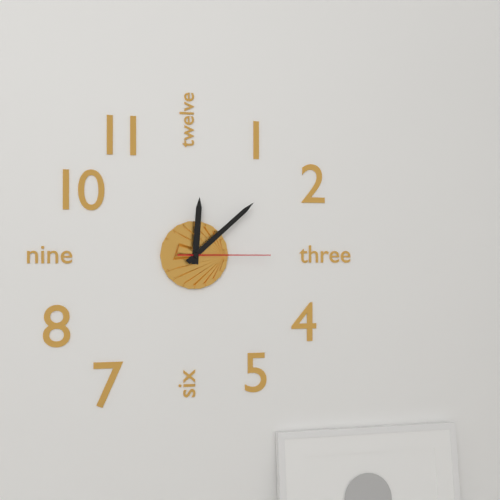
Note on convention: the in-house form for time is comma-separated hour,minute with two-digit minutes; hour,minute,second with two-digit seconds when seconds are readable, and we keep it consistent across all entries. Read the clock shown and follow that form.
12,08,15
